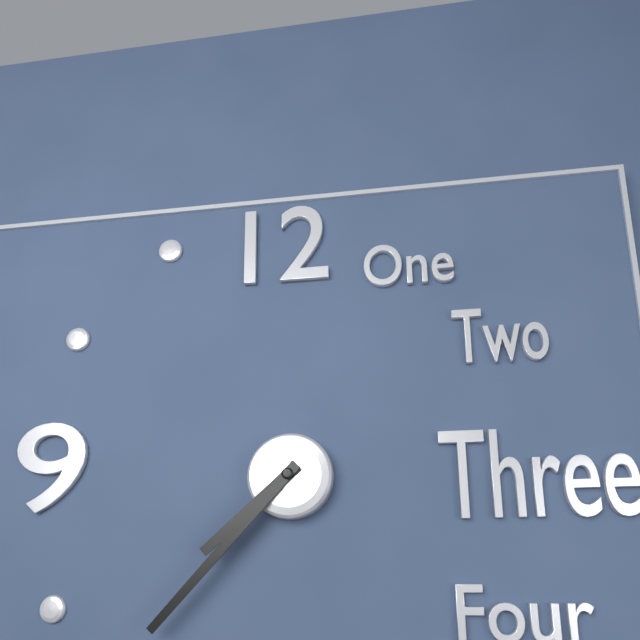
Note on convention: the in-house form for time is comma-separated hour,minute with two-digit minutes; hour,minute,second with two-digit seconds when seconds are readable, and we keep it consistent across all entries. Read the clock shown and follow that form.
7,37
